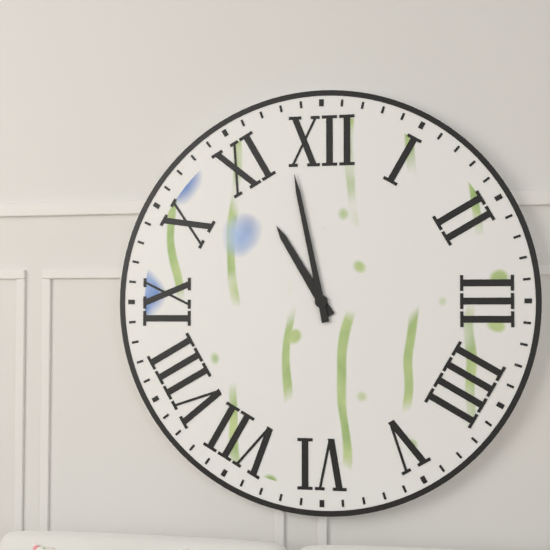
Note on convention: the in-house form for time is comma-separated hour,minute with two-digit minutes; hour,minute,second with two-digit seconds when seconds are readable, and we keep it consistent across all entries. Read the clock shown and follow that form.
10,58
